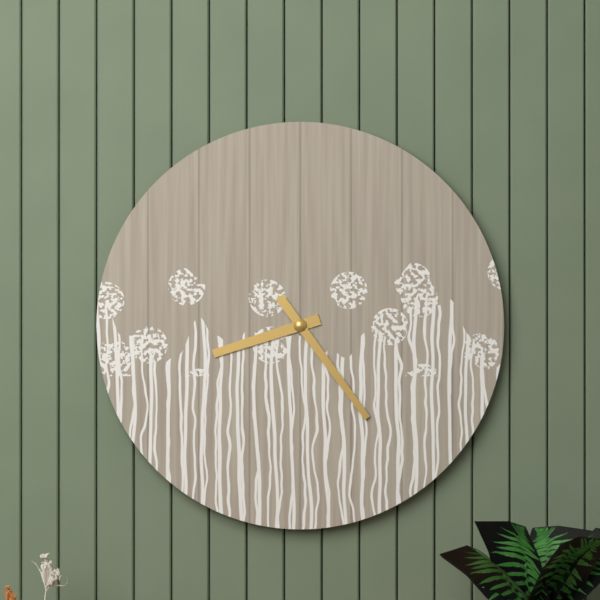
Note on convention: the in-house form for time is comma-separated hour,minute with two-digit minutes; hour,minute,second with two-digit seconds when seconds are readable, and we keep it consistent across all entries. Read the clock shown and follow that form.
8,24
